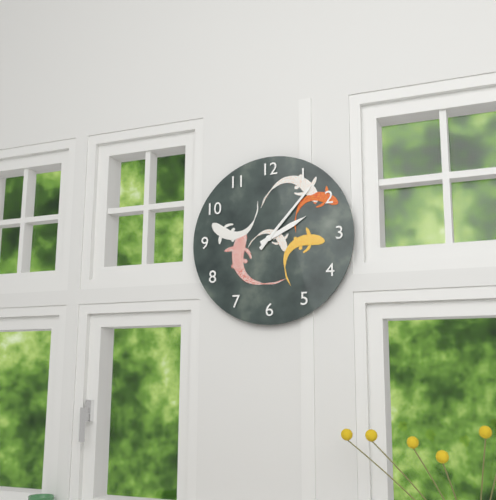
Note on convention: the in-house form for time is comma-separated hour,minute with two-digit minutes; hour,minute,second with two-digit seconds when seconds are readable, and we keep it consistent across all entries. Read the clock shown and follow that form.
2,07
